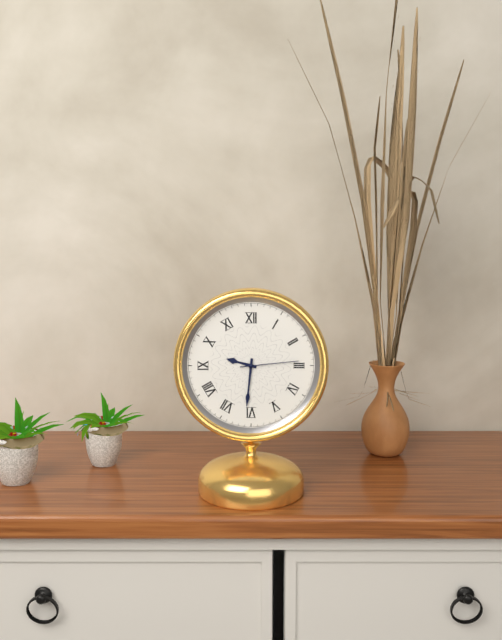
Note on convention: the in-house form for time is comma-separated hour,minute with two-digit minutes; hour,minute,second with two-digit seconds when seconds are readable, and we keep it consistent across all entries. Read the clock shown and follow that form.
9,31,14
